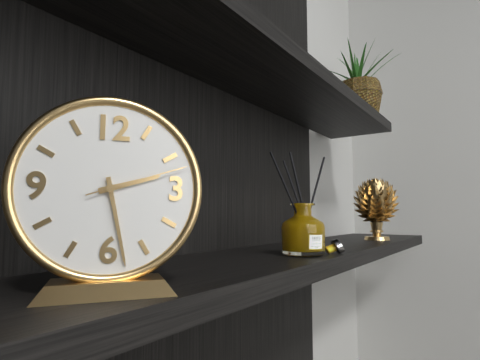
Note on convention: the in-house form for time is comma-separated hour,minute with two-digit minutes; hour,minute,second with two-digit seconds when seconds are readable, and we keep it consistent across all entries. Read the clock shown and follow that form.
2,28,12
